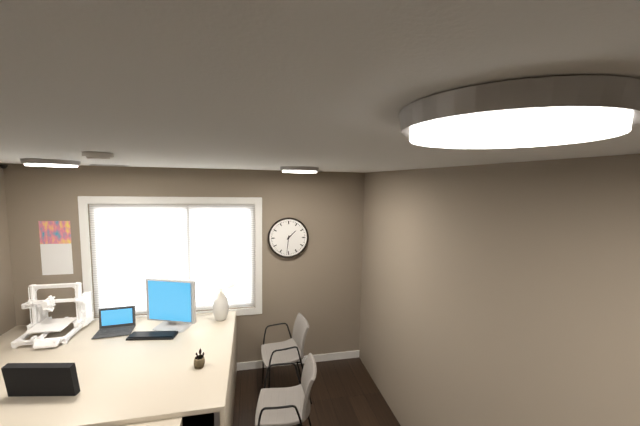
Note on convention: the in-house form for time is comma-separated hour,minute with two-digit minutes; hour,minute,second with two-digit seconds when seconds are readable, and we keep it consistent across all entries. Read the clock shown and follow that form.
1,31
